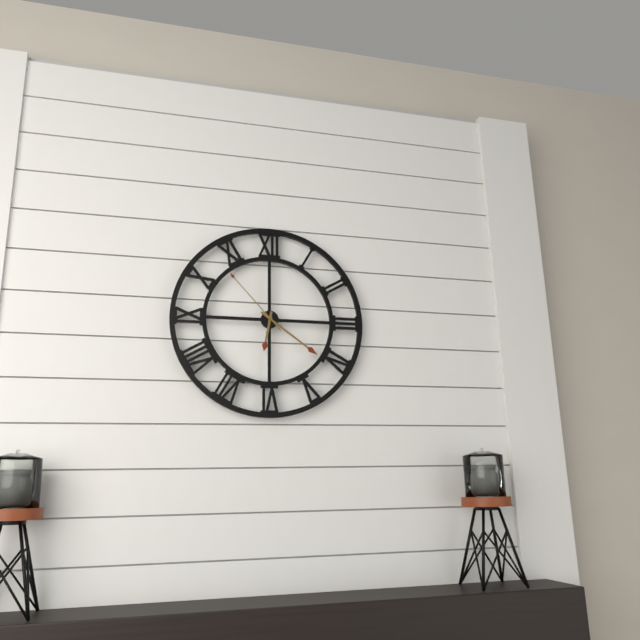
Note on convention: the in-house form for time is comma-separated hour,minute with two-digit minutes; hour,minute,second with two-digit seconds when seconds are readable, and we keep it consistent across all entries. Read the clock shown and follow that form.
6,21,53
